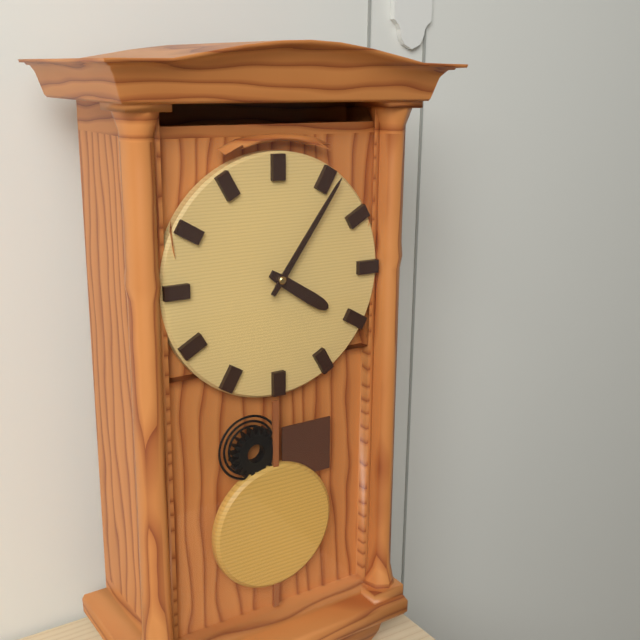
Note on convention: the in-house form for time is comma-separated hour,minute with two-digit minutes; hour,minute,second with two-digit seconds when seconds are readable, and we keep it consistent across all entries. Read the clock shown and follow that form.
4,06
